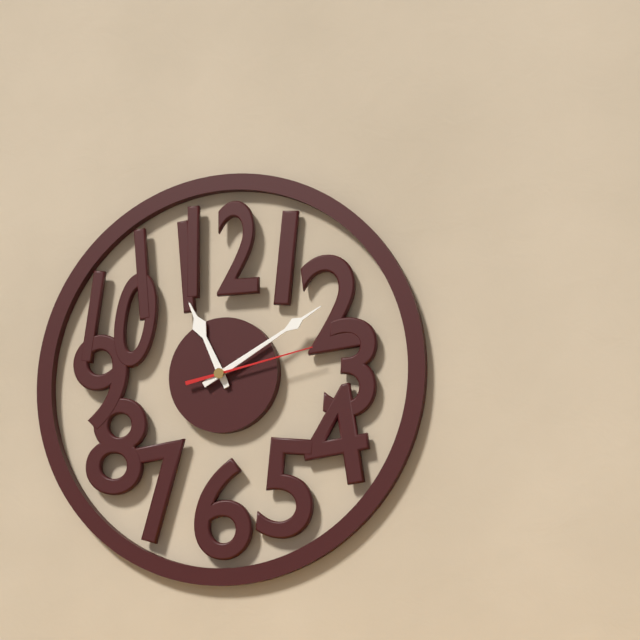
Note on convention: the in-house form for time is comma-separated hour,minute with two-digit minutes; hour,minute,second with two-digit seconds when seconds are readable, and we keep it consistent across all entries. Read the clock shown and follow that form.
11,10,13
